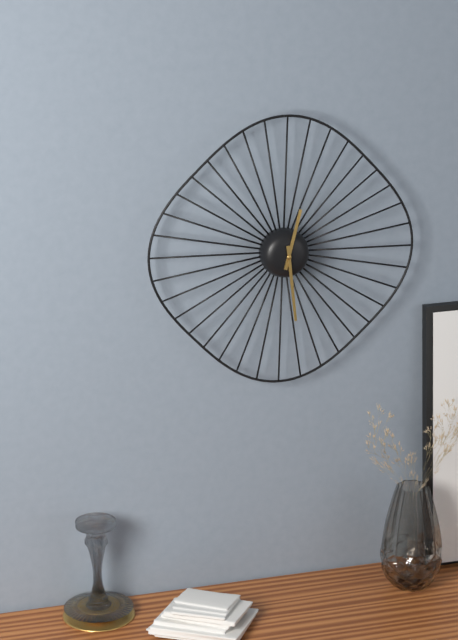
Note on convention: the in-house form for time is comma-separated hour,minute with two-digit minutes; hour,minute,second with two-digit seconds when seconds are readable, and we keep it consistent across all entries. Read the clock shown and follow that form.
12,29
